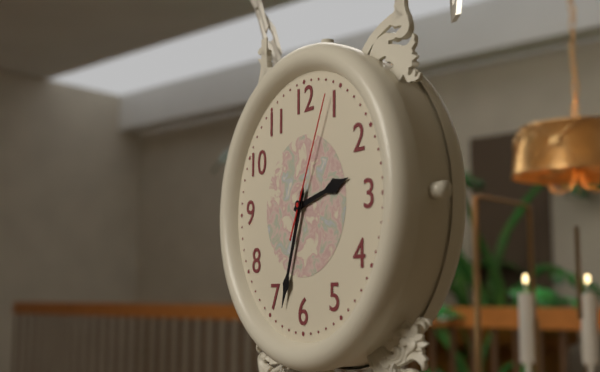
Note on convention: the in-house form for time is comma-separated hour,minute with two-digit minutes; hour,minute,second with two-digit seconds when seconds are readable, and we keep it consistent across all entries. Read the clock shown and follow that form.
2,33,04
